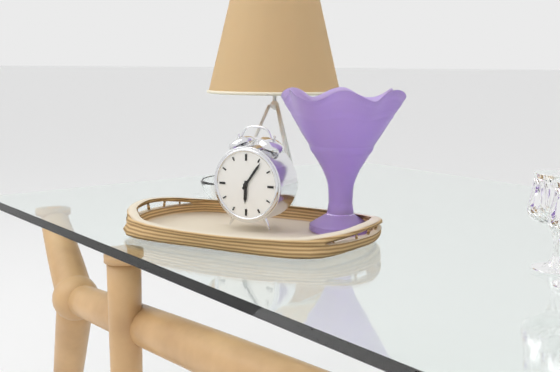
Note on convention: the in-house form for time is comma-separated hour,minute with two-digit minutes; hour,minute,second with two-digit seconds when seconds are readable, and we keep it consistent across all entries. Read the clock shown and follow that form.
6,06
